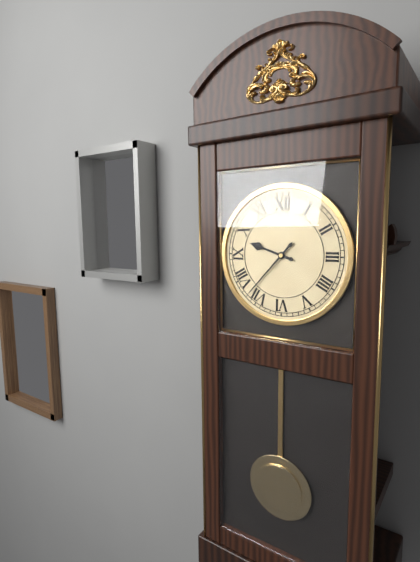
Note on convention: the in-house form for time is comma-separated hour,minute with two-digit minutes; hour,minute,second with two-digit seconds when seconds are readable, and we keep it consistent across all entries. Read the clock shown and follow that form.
9,37
